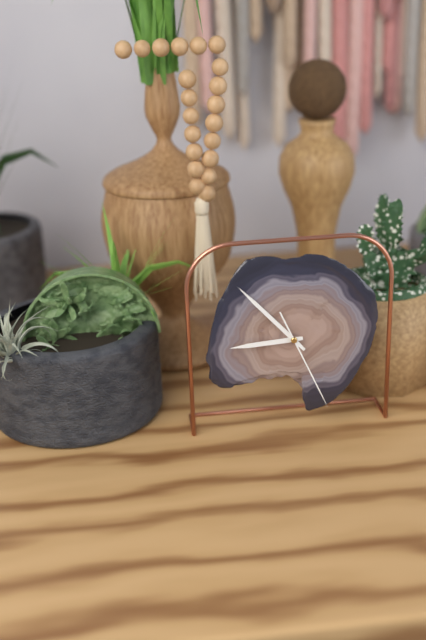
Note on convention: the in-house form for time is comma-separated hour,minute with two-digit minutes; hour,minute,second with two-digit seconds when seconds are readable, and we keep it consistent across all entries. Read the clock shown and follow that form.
8,53,26
